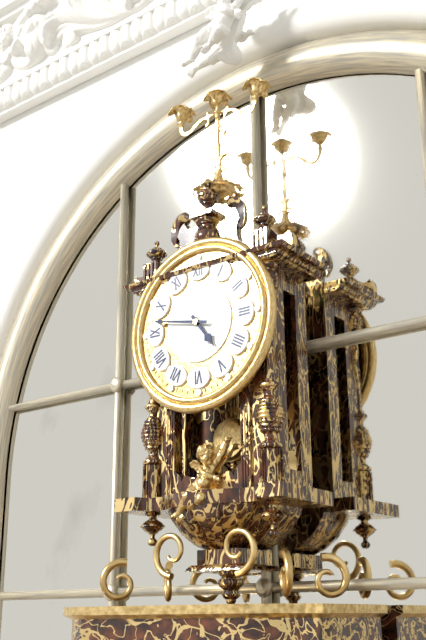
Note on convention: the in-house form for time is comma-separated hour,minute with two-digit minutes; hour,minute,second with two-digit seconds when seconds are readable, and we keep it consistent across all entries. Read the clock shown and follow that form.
4,47
